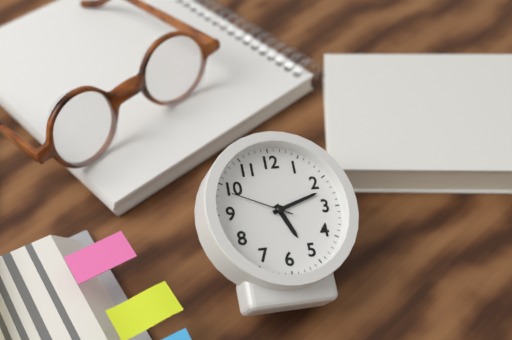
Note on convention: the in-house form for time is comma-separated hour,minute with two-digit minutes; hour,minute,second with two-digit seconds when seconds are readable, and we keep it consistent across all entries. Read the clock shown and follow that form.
5,12,49
